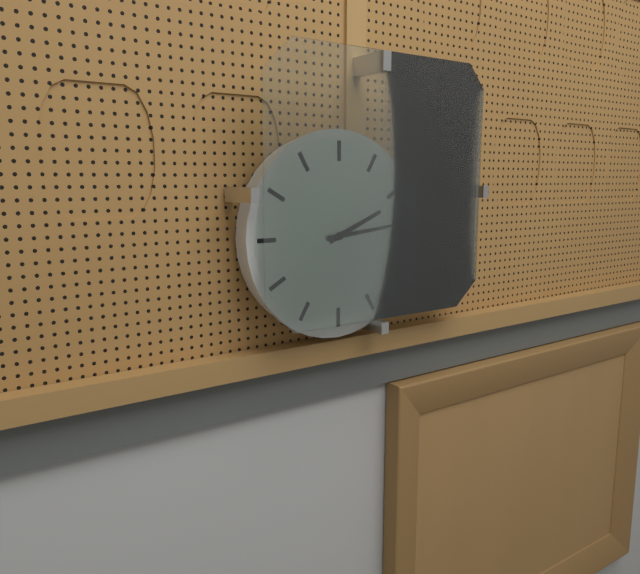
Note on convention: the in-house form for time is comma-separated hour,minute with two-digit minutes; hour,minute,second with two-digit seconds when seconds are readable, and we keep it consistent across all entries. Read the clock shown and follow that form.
2,14
